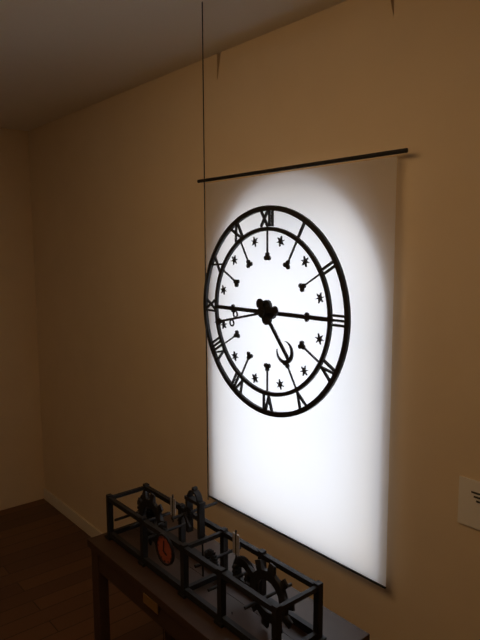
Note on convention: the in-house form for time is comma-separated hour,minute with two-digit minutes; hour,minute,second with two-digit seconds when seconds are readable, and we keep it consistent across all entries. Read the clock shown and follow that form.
4,43
